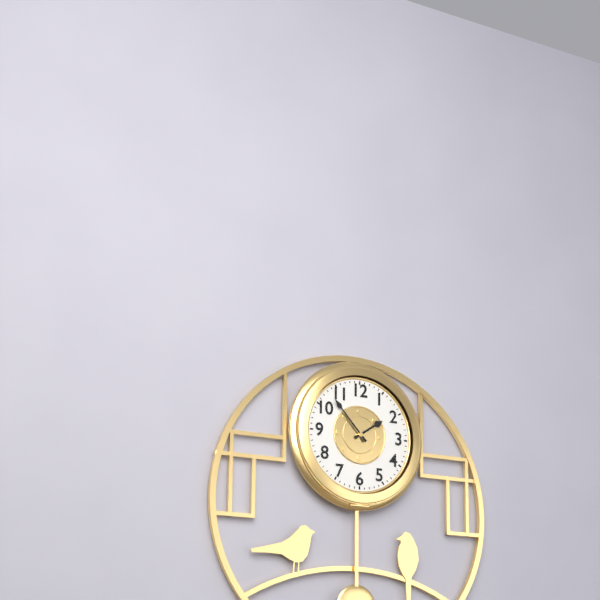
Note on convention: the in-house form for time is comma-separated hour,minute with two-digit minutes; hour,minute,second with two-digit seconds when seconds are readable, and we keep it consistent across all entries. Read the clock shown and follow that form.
1,53
